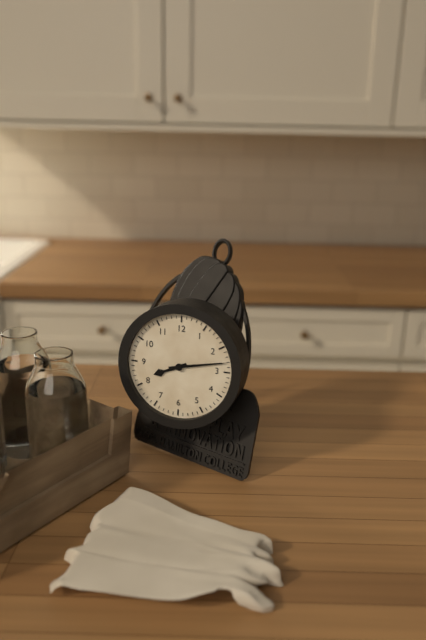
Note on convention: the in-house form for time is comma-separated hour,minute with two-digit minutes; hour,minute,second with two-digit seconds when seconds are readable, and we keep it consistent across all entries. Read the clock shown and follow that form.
8,13
